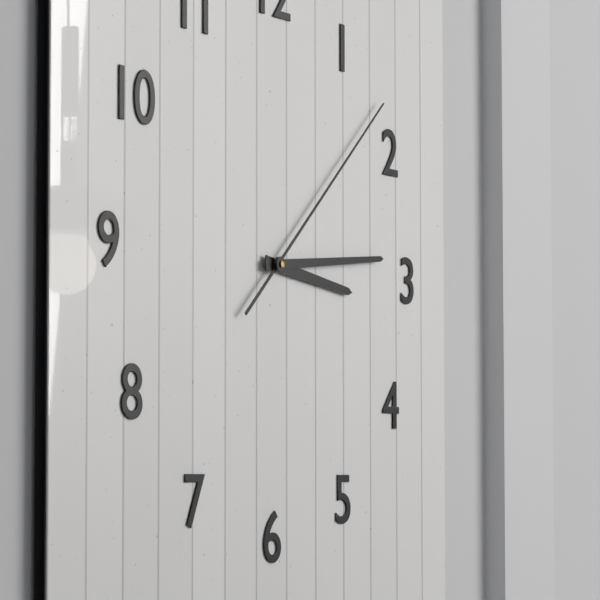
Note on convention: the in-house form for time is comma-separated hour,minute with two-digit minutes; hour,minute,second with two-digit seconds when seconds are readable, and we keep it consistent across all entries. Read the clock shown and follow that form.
3,14,08
